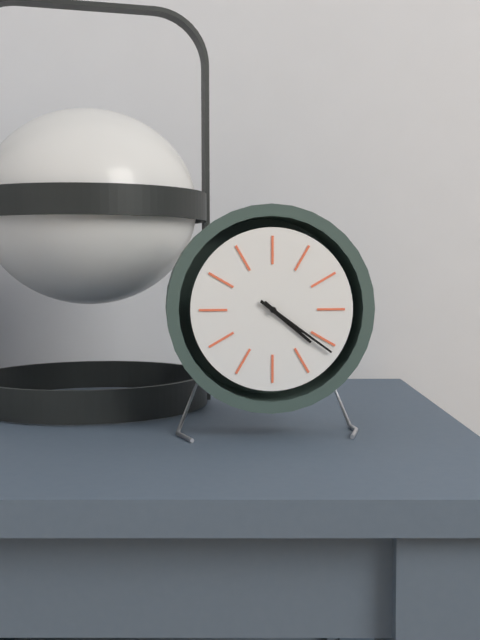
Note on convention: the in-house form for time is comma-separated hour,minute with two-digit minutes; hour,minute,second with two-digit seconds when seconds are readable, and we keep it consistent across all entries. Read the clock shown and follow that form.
4,21
